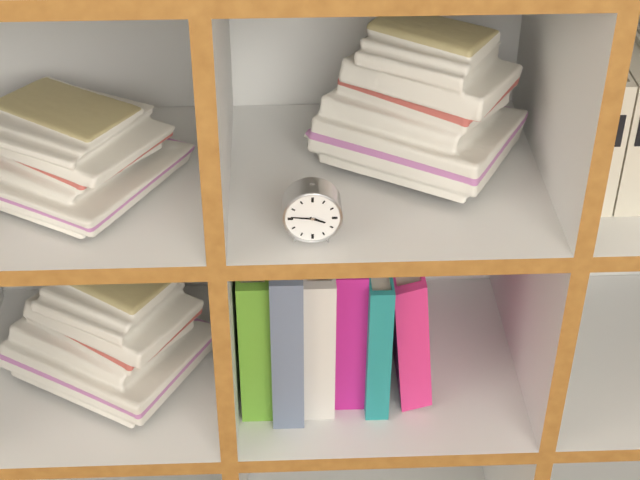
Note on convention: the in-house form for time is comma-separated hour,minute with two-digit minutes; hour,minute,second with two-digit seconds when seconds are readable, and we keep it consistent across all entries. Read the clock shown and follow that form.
3,46
